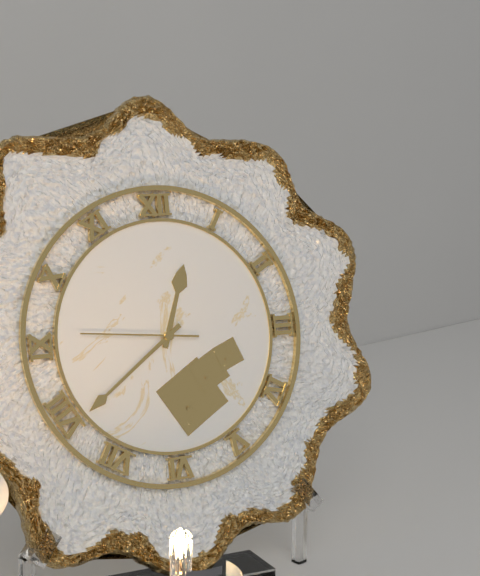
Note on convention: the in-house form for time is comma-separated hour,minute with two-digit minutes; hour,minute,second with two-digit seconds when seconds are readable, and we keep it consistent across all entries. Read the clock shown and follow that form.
12,39,46
